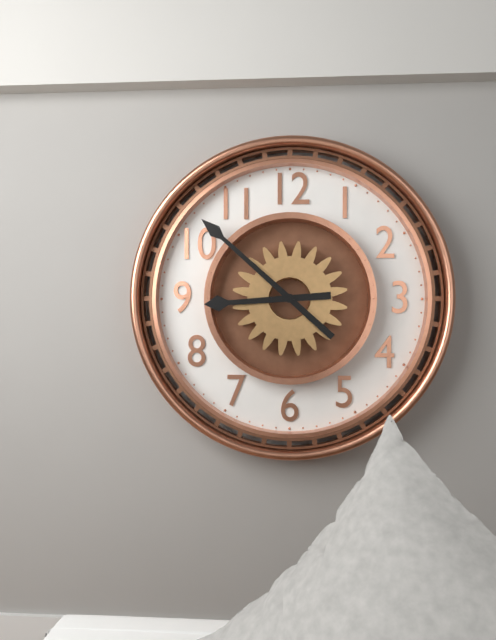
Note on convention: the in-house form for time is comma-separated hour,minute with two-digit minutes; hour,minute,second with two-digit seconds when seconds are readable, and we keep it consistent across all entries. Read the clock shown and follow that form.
8,52
